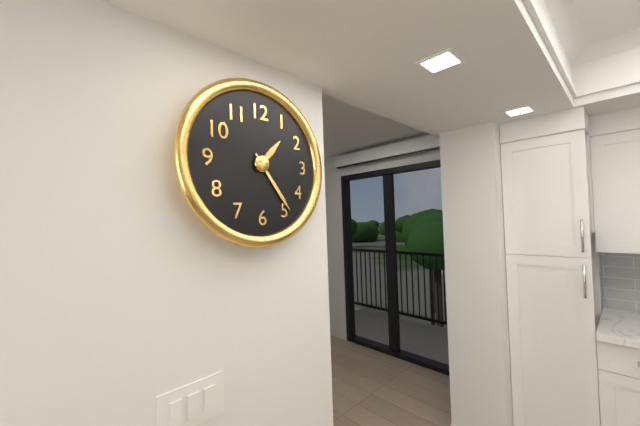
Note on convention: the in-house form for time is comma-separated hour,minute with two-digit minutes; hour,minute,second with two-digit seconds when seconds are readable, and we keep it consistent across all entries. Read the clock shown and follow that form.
1,24
